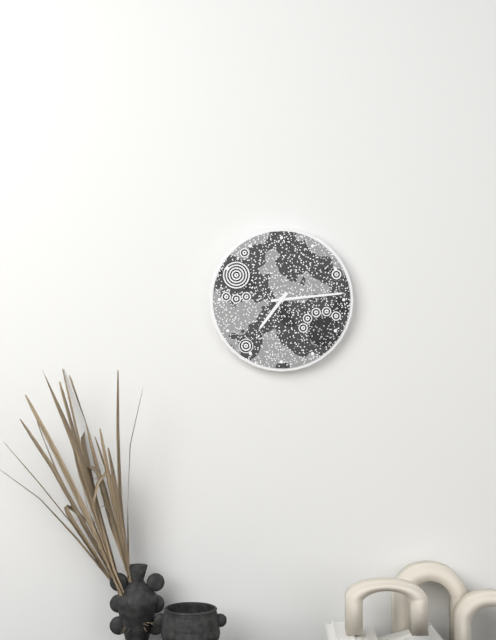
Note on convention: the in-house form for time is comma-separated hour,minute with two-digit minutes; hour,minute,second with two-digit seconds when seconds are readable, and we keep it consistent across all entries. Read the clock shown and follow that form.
7,14
